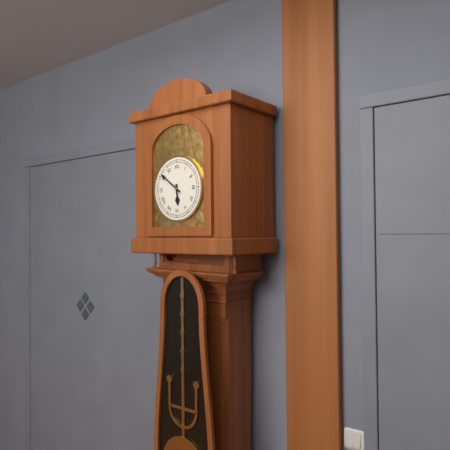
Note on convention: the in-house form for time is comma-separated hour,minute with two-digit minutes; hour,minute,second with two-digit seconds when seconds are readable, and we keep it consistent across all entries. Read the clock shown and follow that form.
5,51
